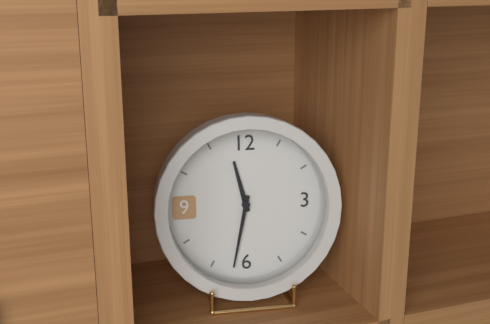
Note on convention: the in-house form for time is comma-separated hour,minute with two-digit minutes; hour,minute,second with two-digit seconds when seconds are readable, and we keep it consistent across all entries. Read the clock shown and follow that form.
11,32
